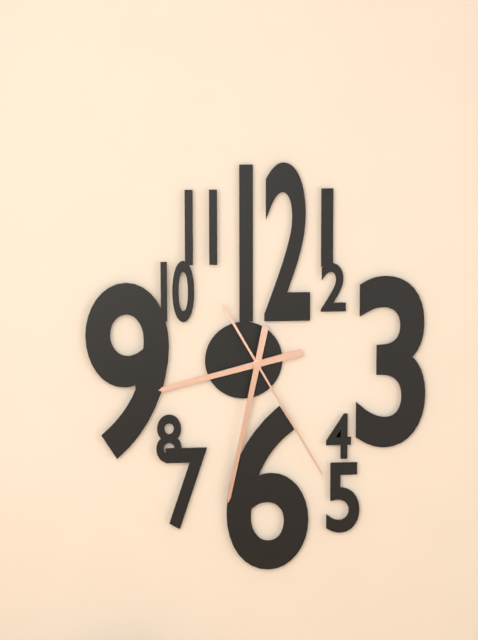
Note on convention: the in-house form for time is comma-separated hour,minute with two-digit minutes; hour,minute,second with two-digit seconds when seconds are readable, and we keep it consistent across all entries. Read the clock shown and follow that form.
8,32,25
